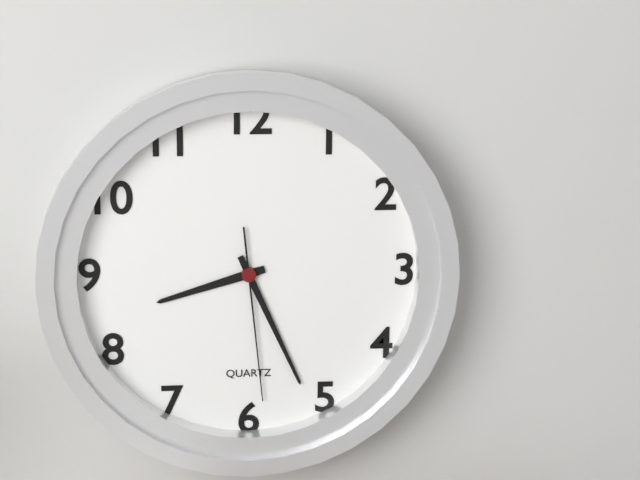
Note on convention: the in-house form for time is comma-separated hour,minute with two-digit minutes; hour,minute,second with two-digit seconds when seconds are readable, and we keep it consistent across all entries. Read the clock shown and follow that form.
8,26,29
